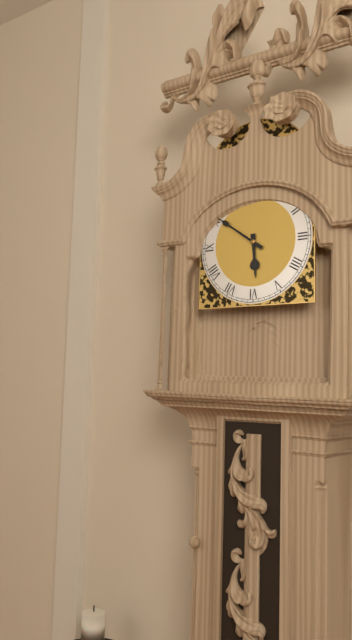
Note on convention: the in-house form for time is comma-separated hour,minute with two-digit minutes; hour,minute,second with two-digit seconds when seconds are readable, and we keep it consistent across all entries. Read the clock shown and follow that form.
5,51
